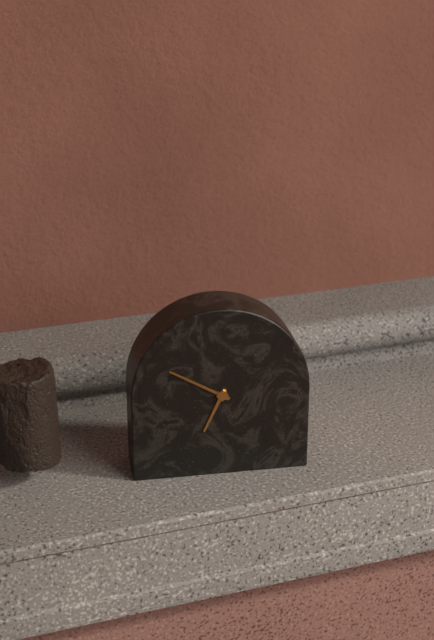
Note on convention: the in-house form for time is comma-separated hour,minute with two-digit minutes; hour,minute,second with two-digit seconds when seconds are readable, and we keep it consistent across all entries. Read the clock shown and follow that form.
6,50
